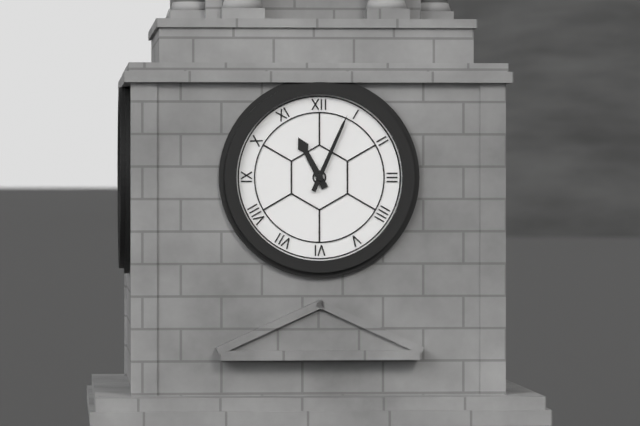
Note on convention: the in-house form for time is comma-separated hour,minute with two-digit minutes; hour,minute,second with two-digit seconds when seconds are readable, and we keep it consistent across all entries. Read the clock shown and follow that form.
11,04
